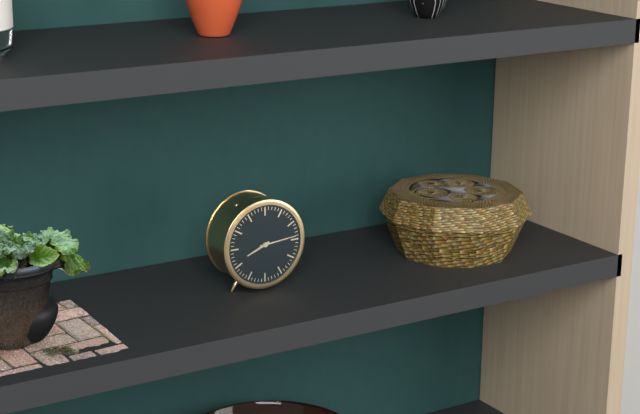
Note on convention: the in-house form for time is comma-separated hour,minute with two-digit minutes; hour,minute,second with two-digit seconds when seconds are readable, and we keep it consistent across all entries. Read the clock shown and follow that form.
8,14
